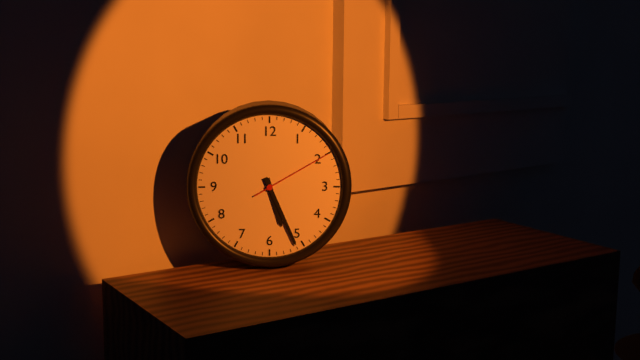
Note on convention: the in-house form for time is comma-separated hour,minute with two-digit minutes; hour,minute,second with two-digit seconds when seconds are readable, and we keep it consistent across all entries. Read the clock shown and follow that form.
5,26,10
